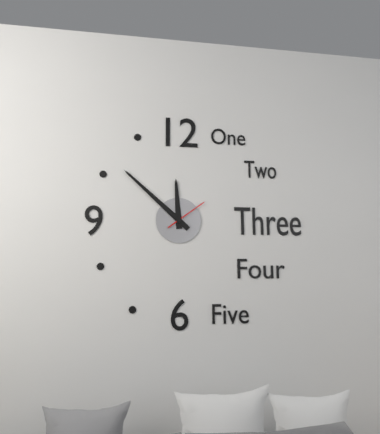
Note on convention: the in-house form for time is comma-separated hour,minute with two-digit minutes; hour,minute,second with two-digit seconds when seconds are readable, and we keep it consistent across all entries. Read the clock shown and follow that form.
11,52
